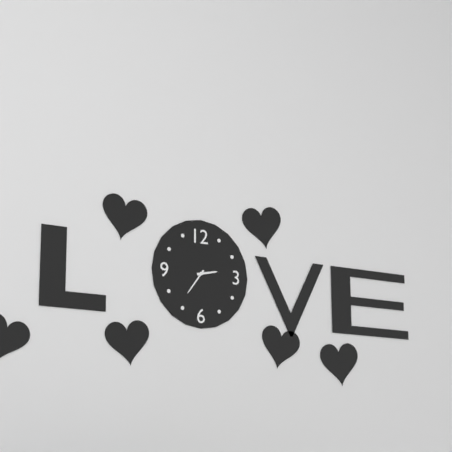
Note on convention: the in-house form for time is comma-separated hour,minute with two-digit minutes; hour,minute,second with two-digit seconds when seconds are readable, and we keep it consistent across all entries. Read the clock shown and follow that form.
2,36
